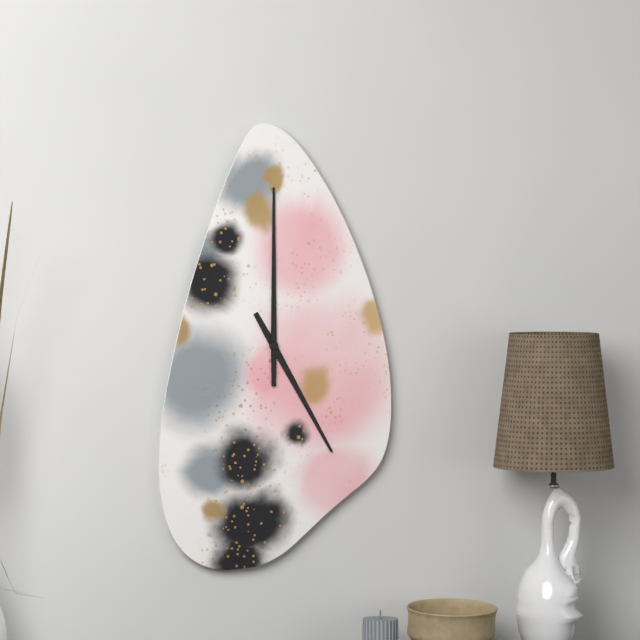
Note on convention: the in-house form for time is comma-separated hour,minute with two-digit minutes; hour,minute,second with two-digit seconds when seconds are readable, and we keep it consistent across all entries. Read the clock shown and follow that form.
5,00
